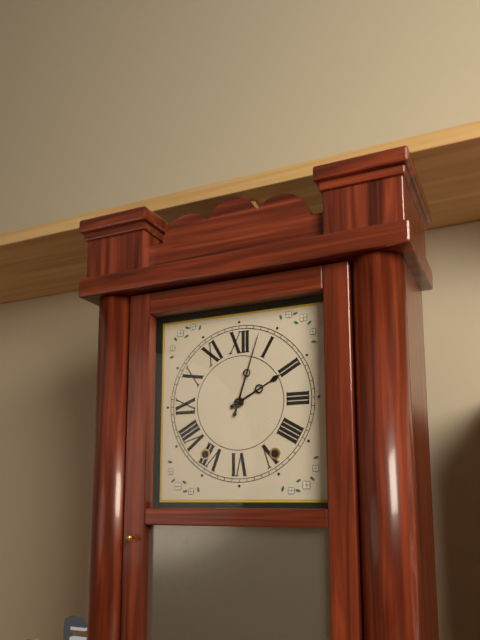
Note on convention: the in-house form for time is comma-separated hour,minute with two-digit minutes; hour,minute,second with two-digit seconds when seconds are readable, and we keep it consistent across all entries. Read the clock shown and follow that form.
2,03
